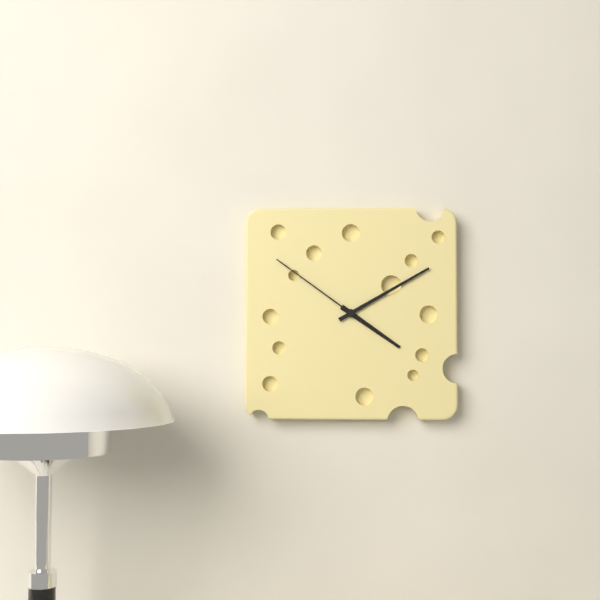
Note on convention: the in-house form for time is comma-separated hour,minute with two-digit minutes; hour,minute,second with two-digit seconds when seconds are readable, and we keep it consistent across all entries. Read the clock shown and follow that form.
4,10,51
